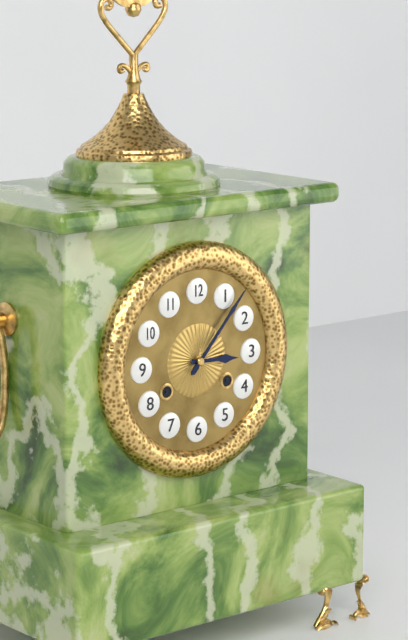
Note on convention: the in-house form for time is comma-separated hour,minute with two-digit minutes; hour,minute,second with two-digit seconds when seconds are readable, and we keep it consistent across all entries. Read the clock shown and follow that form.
3,07
